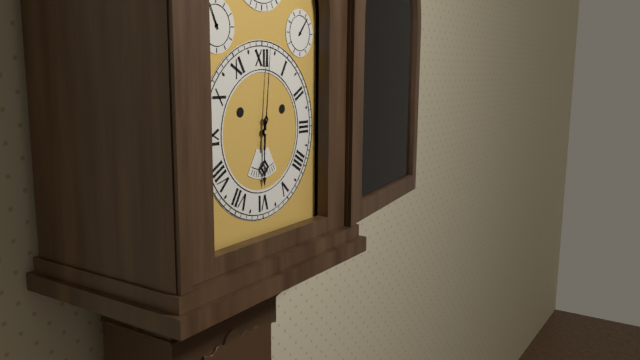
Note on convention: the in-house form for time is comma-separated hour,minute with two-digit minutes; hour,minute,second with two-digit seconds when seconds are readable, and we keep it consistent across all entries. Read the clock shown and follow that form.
6,01
